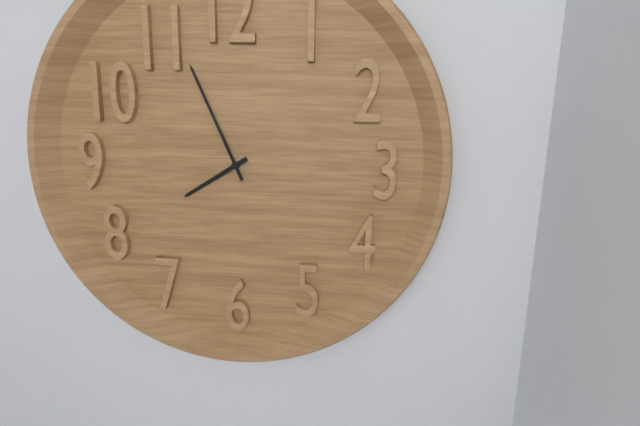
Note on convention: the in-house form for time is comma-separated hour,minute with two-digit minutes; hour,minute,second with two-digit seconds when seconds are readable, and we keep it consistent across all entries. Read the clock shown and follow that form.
7,56
